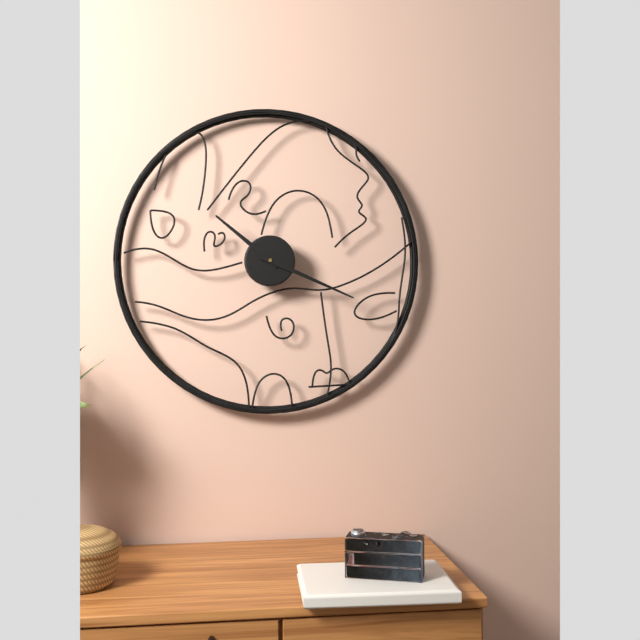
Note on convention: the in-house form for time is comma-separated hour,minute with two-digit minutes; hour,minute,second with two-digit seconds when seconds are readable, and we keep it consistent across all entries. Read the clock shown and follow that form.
10,19
